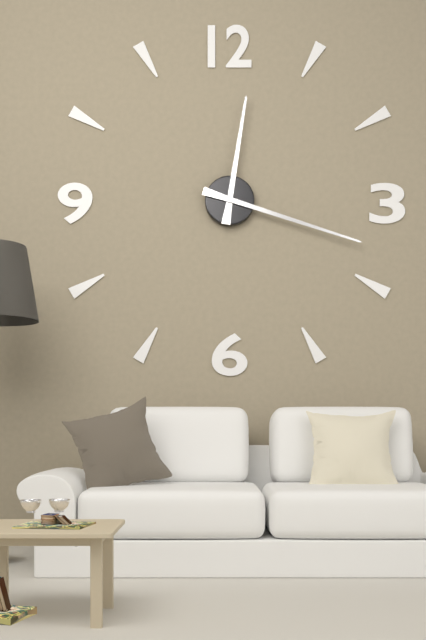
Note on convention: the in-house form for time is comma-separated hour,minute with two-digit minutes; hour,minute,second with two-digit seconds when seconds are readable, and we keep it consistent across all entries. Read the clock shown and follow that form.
12,18
